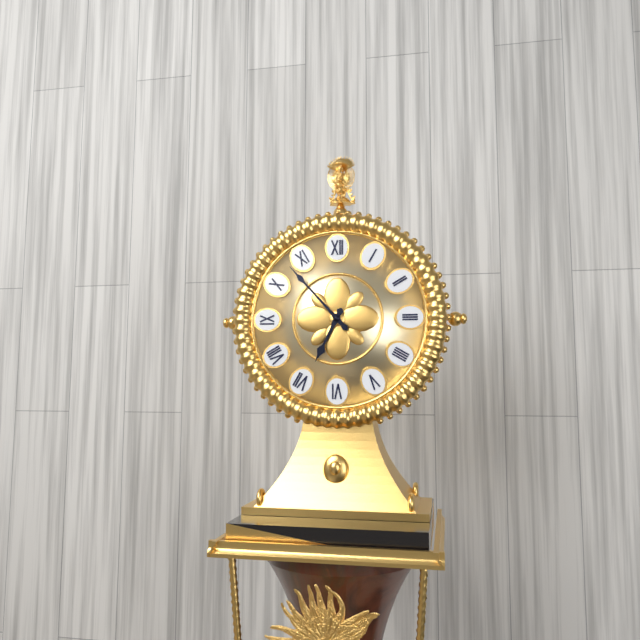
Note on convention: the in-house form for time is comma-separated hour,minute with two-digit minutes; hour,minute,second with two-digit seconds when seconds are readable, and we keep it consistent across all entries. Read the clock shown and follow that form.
6,53
